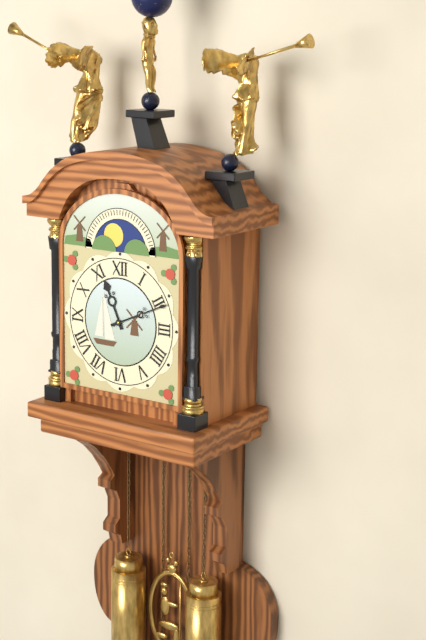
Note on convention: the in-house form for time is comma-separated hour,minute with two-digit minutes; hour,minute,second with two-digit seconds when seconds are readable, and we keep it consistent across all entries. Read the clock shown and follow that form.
11,11
